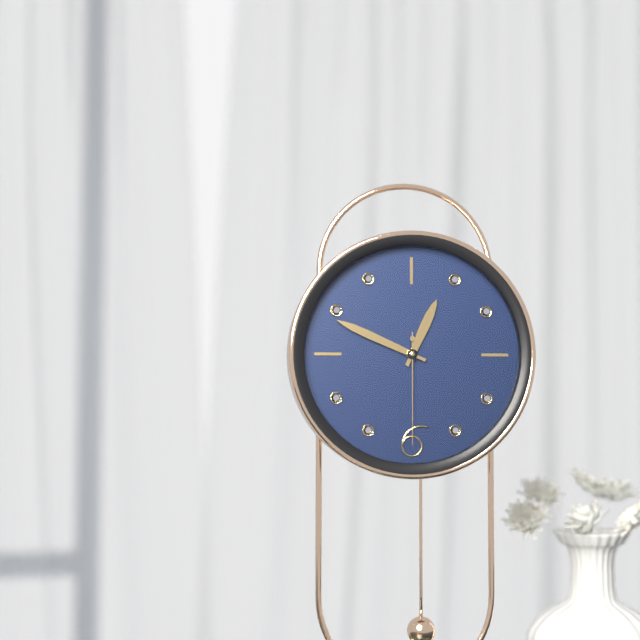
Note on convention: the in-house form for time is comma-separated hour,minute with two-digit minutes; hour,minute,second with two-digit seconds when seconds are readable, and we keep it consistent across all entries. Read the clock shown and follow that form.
12,49,30
